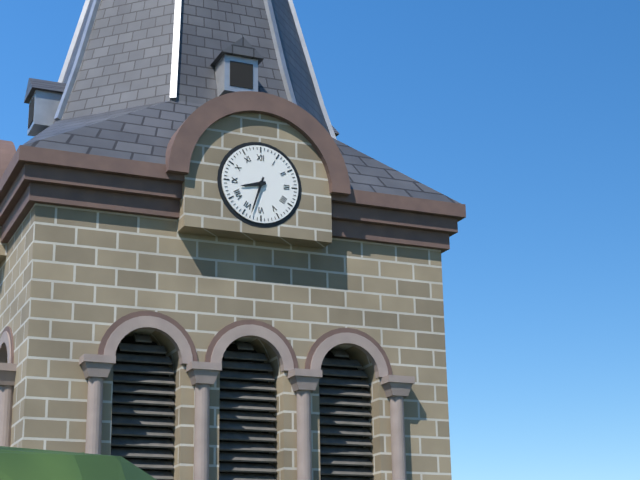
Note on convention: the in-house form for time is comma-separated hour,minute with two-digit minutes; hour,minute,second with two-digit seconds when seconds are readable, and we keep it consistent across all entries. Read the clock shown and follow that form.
8,33
